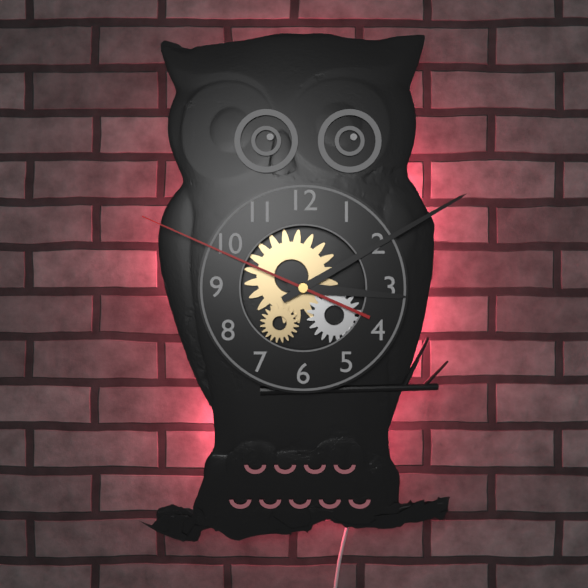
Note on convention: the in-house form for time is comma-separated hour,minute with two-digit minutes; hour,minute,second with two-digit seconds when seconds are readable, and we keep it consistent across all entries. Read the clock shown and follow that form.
3,10,49
